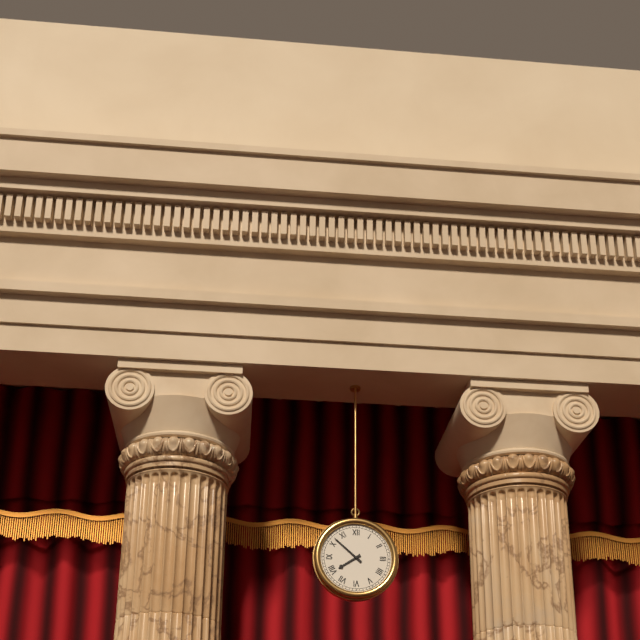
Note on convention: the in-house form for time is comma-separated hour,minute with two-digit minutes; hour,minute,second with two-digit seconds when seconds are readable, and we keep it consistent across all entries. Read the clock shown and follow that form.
7,52
